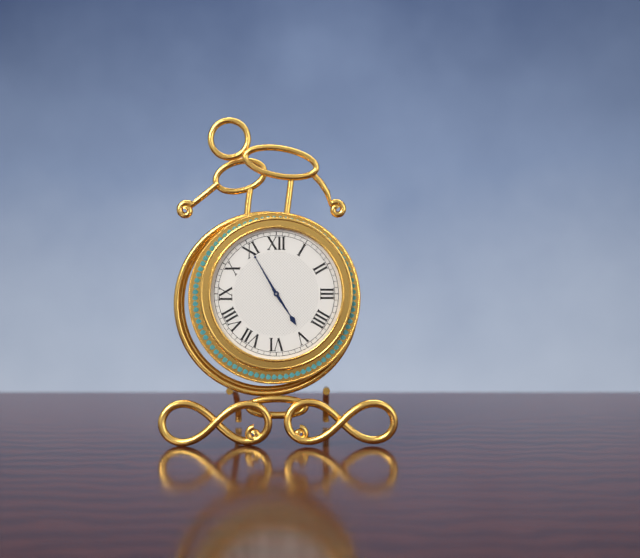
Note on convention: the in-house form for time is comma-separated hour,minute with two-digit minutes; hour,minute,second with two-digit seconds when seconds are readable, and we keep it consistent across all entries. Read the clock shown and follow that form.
4,55
